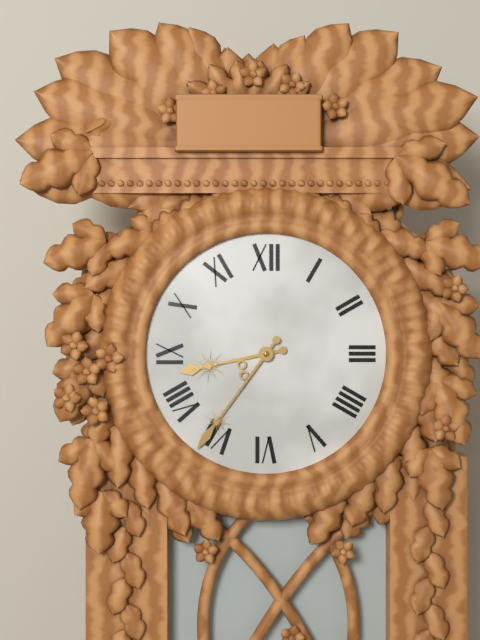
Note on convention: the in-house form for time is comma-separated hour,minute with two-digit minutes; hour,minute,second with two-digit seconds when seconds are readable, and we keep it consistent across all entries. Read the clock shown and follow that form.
8,36
